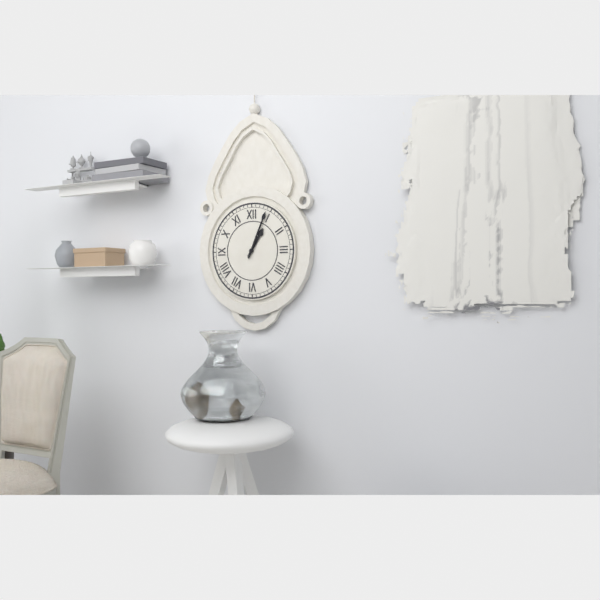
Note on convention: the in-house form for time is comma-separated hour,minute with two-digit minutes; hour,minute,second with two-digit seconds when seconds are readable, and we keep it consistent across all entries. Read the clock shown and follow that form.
1,04
